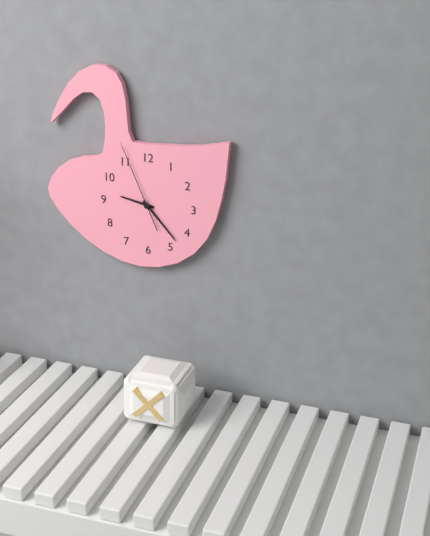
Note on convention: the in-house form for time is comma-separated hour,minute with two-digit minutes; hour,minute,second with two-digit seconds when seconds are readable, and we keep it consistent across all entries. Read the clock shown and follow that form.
9,23,56
